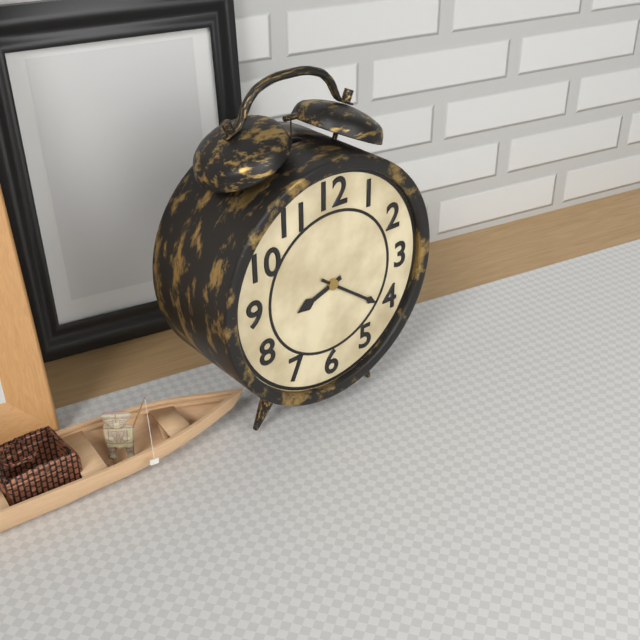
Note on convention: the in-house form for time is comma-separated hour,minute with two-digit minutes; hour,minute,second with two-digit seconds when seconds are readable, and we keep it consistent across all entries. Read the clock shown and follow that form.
8,21
